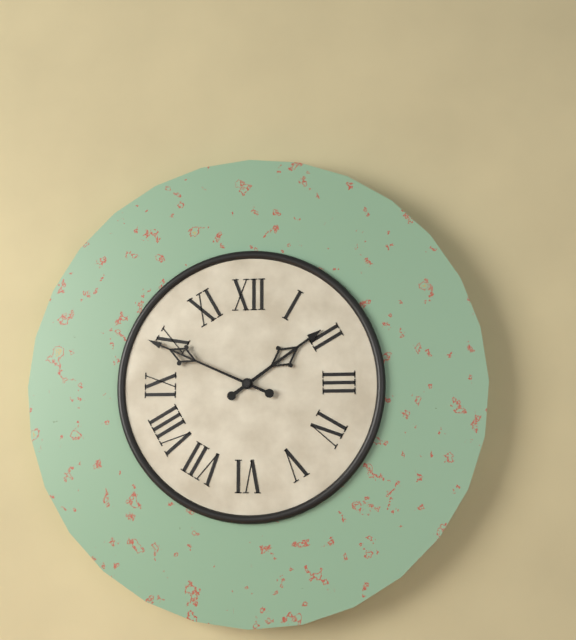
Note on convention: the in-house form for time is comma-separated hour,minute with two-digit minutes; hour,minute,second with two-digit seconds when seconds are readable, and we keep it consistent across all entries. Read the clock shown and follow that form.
1,49
